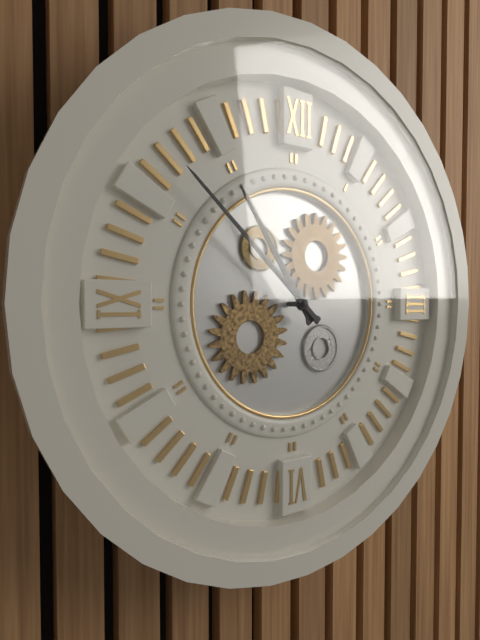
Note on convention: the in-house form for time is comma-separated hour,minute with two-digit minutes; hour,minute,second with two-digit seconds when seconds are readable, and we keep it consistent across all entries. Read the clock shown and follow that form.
10,52
